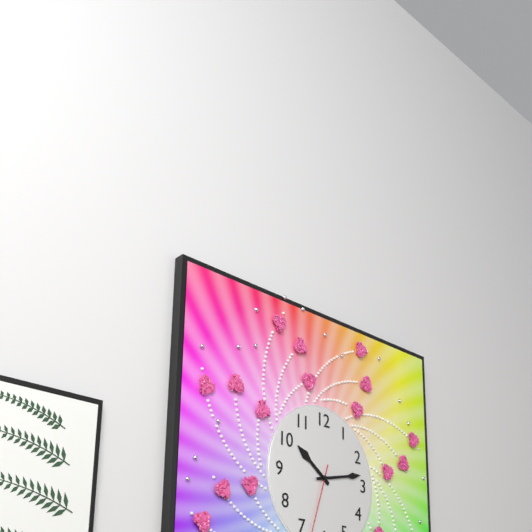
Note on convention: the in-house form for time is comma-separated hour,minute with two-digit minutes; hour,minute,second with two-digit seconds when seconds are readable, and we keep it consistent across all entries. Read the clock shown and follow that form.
10,13
